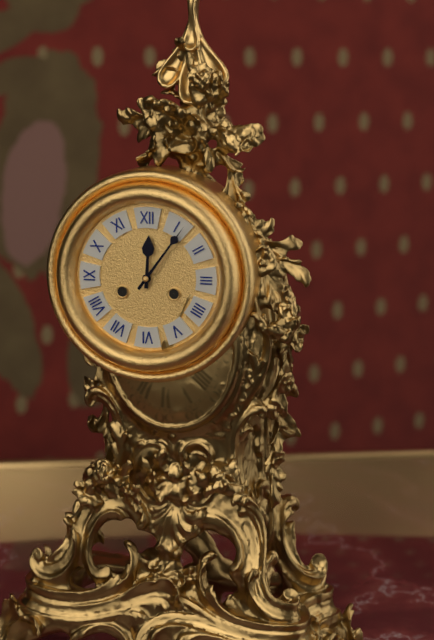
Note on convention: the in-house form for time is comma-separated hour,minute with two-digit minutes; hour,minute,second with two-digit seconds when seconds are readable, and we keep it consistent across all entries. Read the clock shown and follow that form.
12,06
